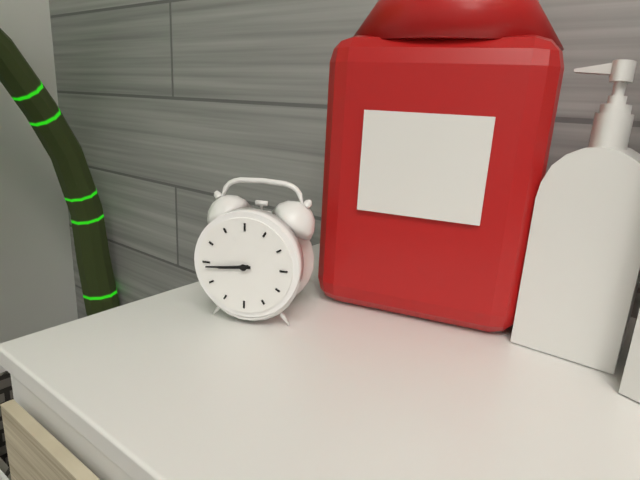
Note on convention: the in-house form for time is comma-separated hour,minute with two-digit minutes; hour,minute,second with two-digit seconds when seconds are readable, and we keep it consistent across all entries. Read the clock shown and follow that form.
8,44
